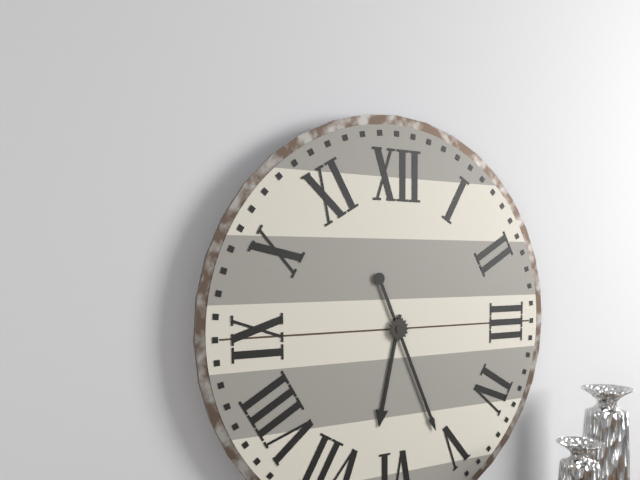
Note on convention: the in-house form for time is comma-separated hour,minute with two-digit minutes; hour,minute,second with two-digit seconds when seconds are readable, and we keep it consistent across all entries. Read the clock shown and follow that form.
6,26
